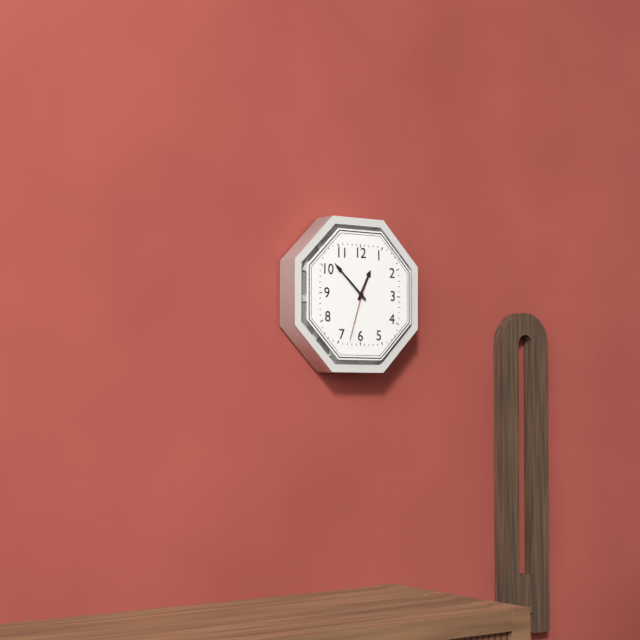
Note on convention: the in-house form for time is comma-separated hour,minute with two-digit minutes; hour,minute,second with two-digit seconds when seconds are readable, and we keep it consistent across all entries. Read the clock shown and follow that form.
12,52,33
